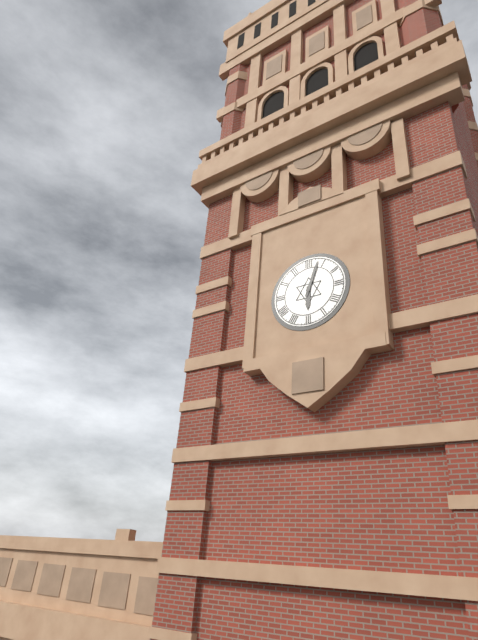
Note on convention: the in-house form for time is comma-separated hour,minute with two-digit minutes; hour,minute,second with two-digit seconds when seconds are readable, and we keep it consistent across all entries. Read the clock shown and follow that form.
6,03
